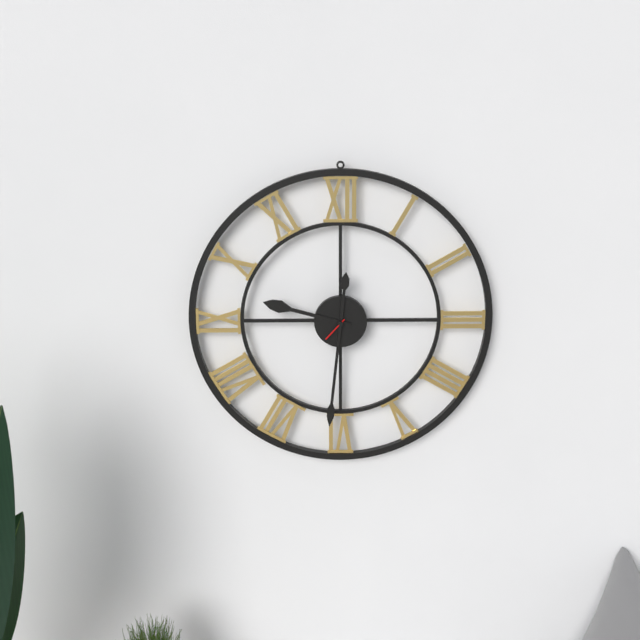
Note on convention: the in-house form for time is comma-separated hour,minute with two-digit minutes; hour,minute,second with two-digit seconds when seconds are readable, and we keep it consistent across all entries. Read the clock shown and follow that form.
9,31
